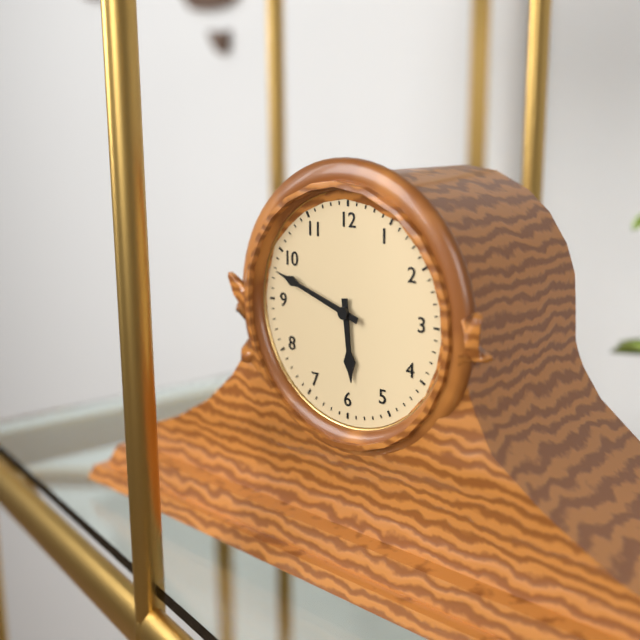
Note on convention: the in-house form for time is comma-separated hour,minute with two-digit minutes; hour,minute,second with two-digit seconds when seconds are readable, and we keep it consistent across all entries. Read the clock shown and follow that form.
5,48
